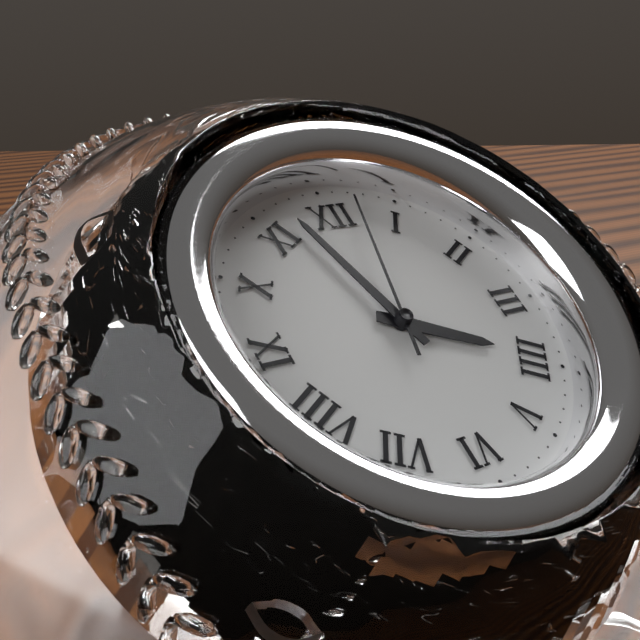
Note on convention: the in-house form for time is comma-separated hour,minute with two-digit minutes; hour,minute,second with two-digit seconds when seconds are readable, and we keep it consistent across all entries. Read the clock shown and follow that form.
3,57,02
